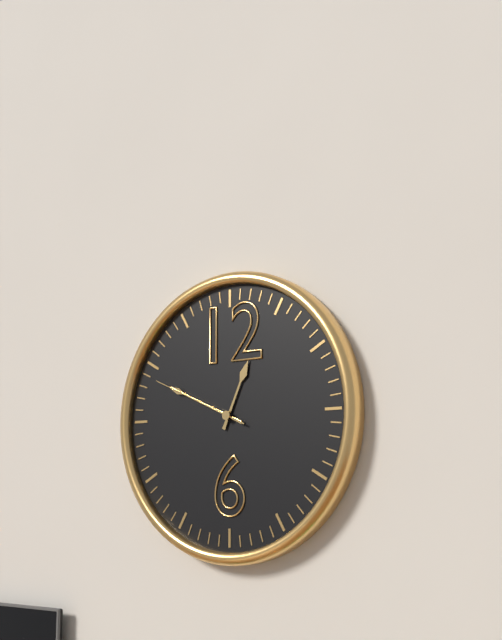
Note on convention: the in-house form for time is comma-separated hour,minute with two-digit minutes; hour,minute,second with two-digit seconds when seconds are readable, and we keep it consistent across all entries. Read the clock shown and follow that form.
12,49,49
